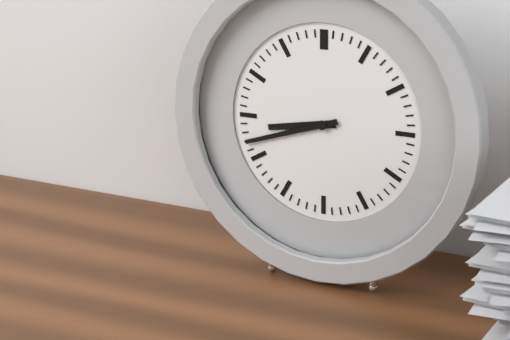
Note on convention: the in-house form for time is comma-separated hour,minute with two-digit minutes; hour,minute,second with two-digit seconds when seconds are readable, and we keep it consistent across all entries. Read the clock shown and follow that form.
8,42
